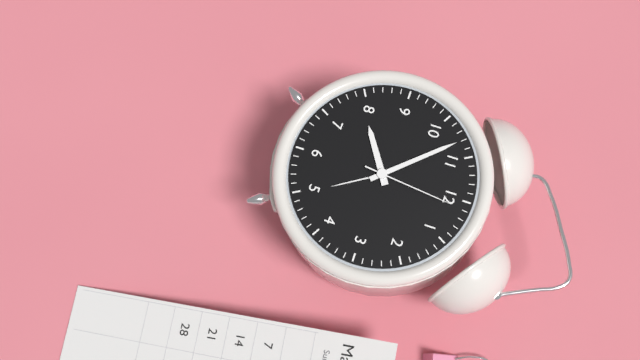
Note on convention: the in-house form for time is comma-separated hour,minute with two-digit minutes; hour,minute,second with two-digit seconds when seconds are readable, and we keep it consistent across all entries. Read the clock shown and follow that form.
7,53,01
